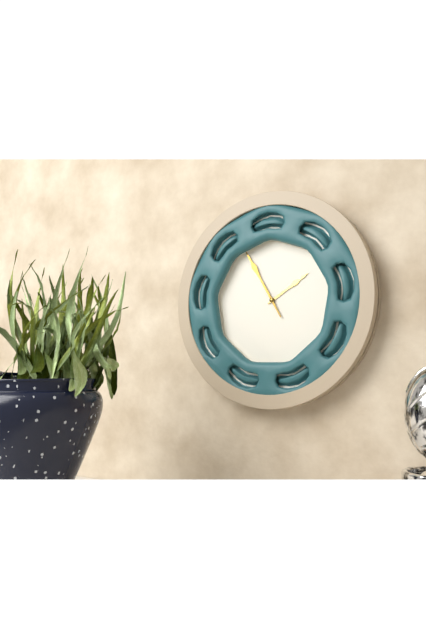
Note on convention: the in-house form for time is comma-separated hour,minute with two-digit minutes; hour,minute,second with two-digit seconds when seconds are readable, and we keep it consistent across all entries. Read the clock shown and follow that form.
1,55
